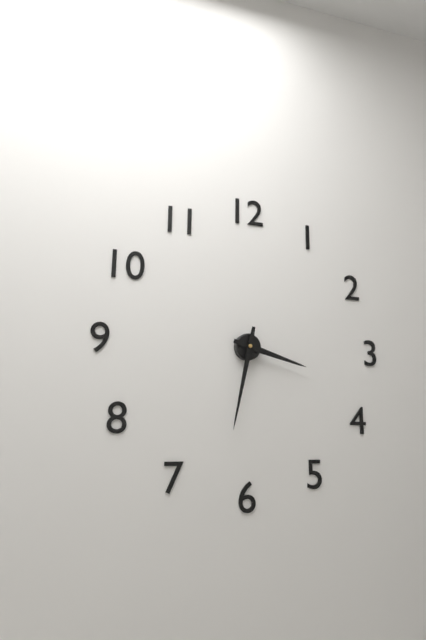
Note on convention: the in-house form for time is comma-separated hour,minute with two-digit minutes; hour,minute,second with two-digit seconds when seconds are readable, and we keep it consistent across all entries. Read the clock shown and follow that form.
3,32
